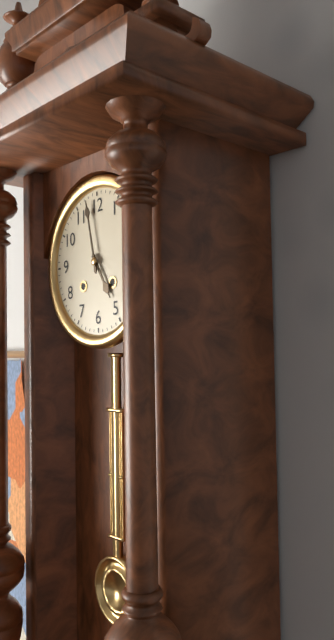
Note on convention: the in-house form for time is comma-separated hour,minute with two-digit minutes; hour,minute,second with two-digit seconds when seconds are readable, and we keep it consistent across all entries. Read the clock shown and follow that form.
4,58
